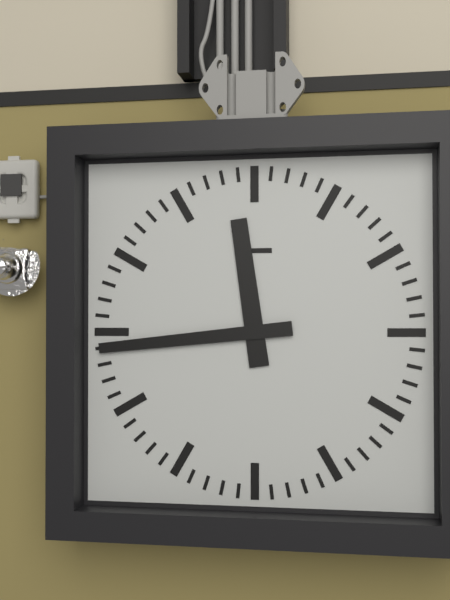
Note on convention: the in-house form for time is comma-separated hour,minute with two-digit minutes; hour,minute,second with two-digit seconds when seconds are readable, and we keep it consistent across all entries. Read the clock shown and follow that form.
11,44
